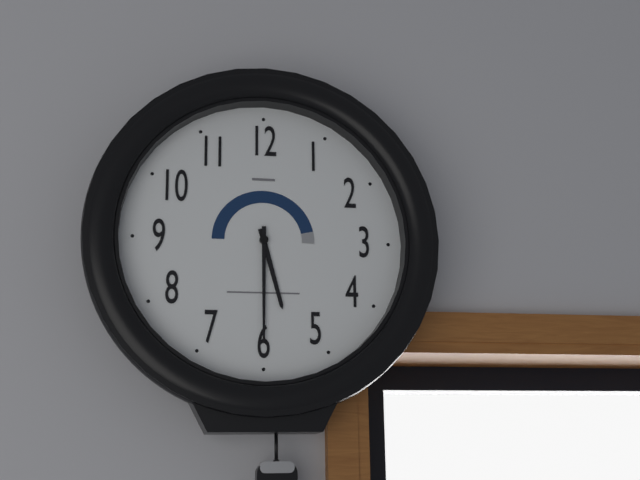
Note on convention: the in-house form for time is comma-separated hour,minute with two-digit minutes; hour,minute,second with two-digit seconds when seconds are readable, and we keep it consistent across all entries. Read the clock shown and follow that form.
5,30
